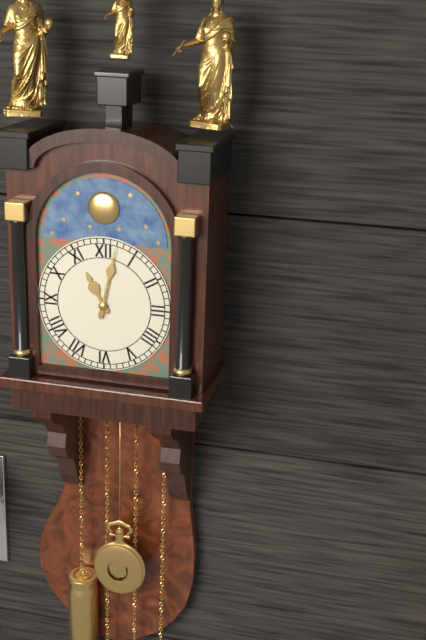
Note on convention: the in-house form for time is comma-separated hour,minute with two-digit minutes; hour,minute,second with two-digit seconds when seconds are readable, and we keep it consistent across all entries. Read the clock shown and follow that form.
11,02
